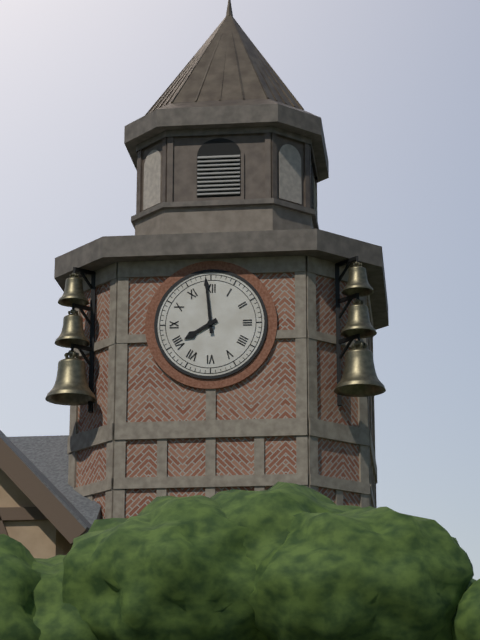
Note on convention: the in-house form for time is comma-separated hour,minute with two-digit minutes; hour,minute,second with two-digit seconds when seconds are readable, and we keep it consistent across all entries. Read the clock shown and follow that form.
7,59
